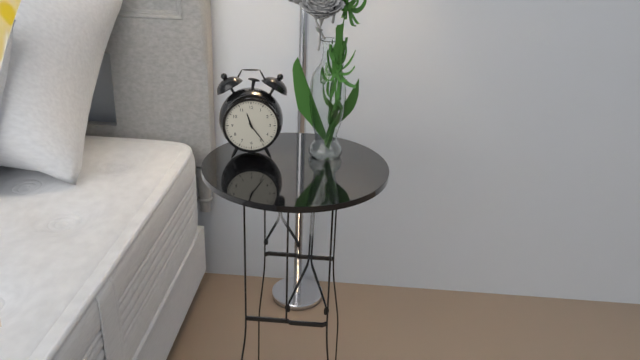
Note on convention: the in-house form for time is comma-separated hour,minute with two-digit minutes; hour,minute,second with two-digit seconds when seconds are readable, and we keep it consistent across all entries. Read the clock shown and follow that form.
11,24
